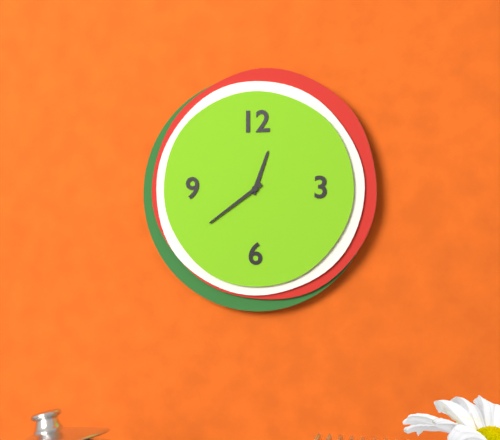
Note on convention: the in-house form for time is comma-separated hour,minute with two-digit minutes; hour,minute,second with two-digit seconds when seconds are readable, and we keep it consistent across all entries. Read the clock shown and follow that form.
12,39
